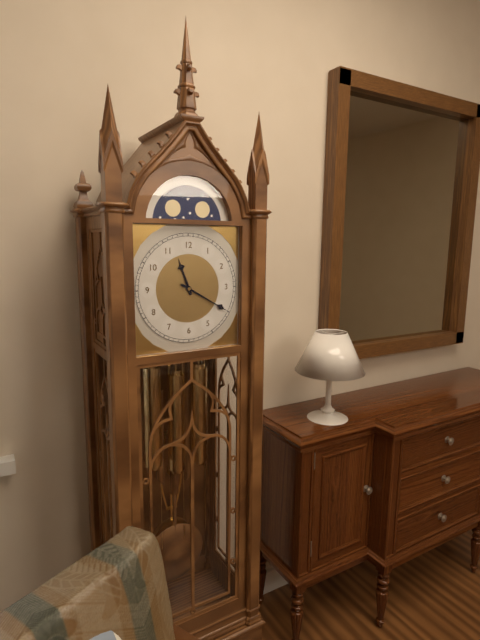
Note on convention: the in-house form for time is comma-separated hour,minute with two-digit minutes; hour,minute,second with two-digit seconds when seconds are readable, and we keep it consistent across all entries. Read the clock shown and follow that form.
11,20
